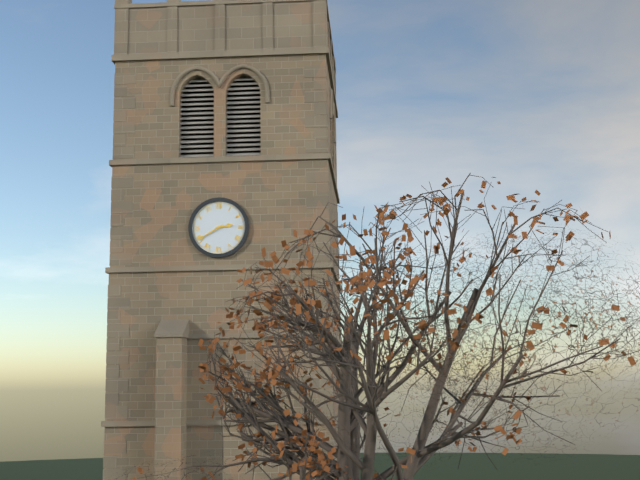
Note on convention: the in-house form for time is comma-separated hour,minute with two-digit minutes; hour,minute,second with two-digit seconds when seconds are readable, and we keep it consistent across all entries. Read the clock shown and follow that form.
2,40
